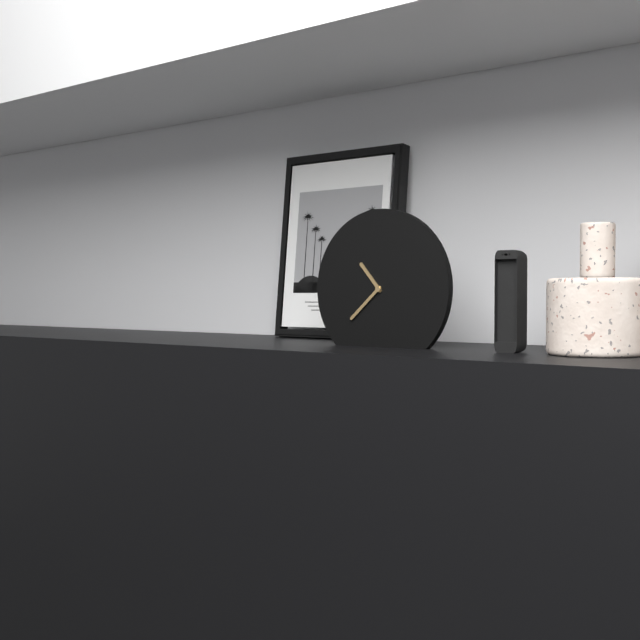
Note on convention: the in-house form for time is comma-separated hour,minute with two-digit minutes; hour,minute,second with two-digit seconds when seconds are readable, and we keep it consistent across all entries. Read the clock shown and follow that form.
10,38
